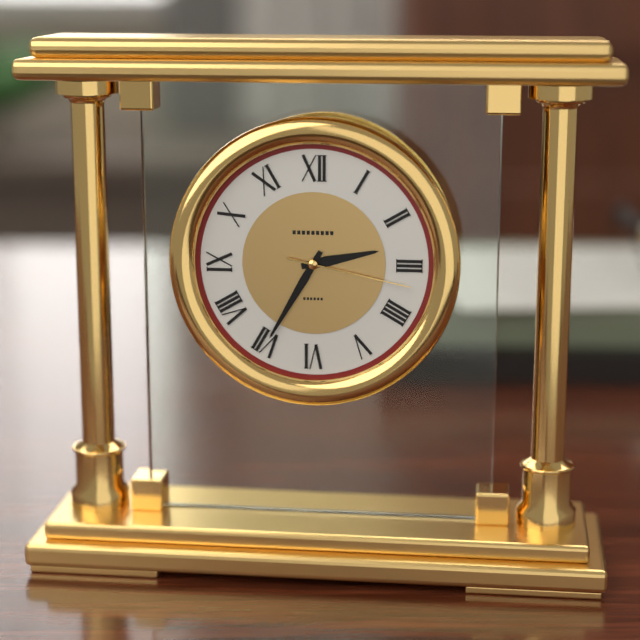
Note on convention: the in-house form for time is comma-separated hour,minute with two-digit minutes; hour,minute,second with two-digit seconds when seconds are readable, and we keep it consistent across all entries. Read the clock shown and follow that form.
2,35,17
